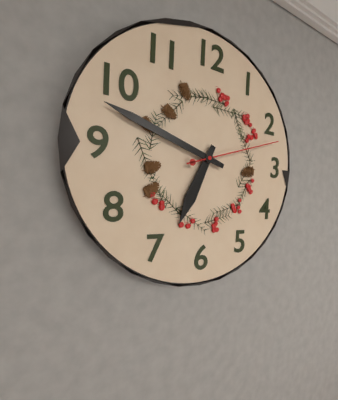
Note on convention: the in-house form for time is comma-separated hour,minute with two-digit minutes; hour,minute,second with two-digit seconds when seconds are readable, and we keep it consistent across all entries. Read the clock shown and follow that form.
6,48,12
